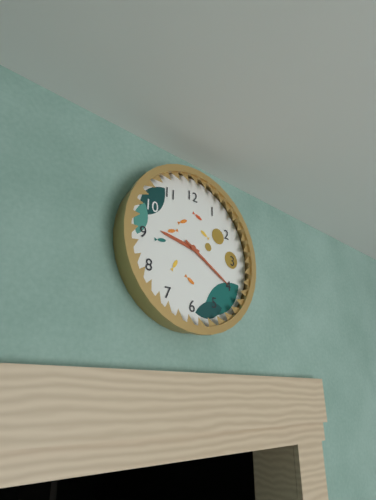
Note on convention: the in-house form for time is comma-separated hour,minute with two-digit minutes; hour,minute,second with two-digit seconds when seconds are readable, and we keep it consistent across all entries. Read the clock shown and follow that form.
9,20
